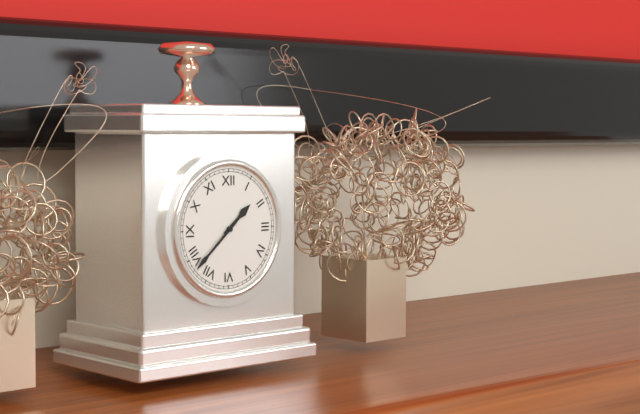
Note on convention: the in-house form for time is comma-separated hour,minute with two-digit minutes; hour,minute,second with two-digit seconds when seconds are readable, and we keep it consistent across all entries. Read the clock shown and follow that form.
1,38
